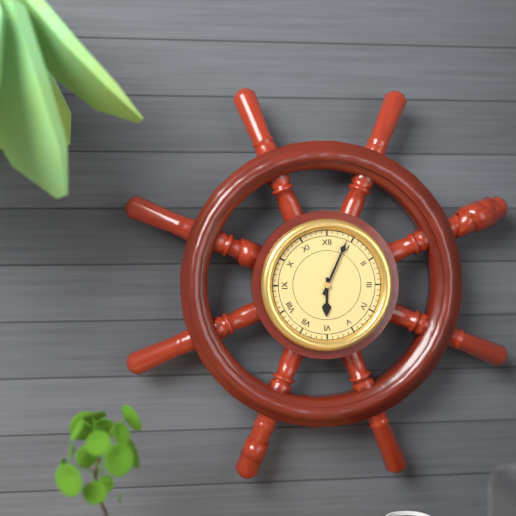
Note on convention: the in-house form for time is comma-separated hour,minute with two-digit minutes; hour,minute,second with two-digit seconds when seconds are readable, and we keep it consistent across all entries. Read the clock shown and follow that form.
6,04
